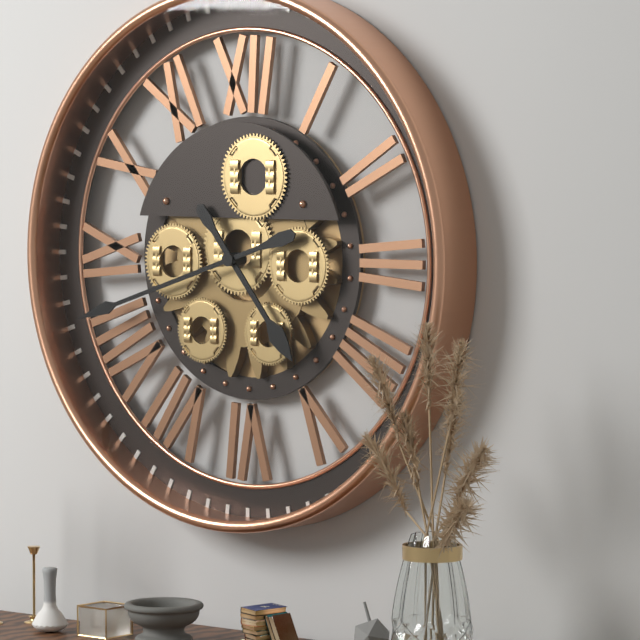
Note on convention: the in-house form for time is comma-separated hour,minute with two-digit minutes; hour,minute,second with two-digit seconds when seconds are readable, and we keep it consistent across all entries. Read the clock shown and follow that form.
4,42
